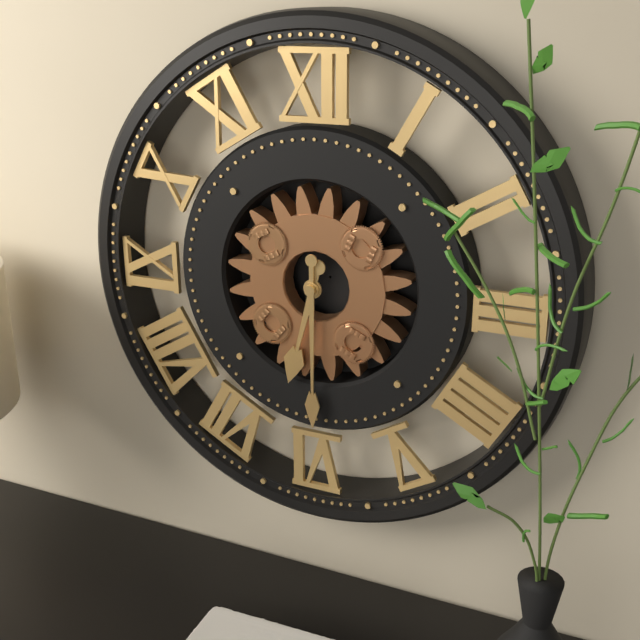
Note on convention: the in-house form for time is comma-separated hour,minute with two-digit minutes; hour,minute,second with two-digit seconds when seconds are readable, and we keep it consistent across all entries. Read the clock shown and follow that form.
6,30
